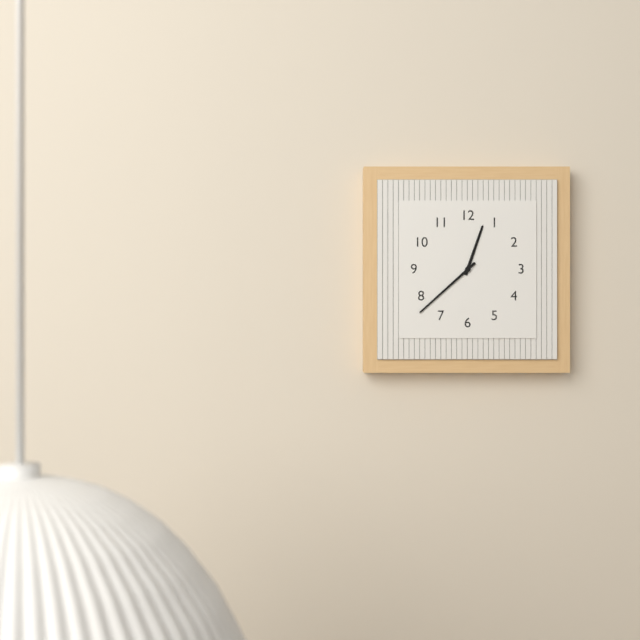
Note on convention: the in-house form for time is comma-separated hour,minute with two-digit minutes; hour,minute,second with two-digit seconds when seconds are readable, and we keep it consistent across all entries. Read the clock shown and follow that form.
12,38
